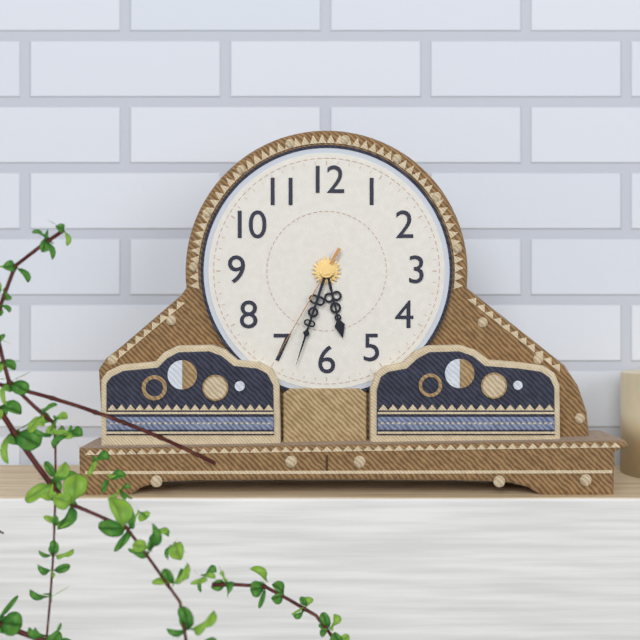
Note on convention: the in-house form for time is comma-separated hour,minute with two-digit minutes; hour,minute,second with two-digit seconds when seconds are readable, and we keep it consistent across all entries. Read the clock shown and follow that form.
5,33,35
